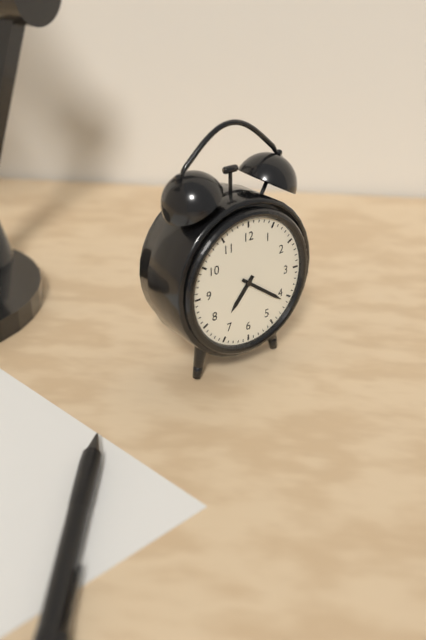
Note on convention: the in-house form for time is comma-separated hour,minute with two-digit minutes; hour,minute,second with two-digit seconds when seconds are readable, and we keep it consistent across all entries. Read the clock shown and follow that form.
7,21
